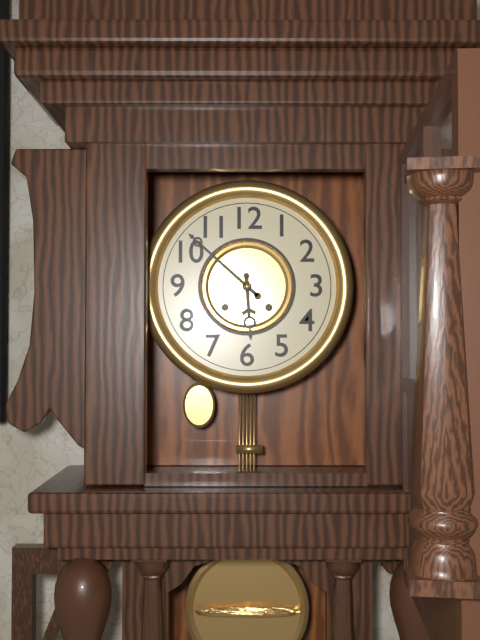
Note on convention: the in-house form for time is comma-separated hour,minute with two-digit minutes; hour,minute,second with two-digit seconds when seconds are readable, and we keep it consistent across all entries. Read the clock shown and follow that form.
5,52
